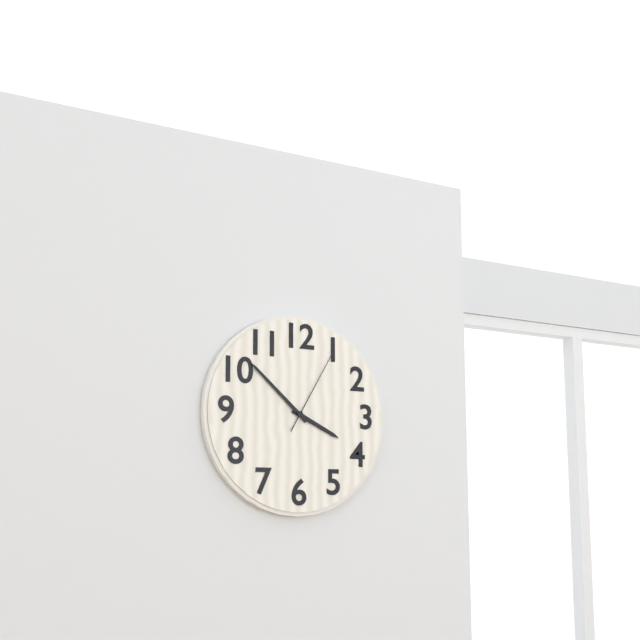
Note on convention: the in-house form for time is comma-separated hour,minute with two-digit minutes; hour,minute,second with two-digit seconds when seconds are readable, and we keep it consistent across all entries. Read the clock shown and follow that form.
3,52,05
